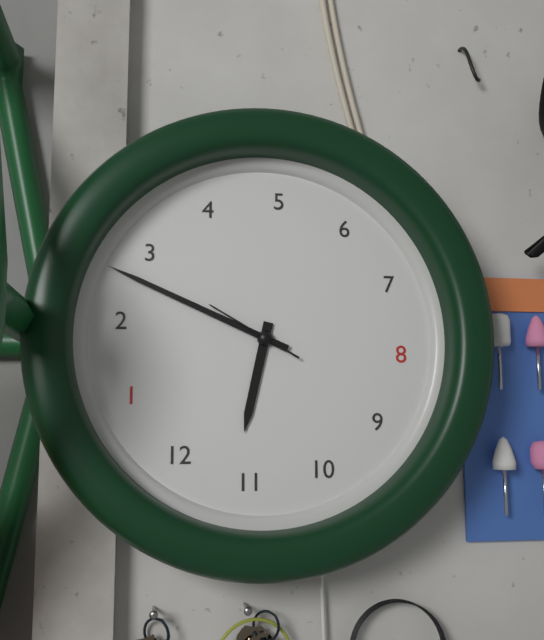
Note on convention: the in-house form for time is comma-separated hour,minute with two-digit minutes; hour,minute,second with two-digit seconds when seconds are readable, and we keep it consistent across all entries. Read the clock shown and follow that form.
11,13,14
